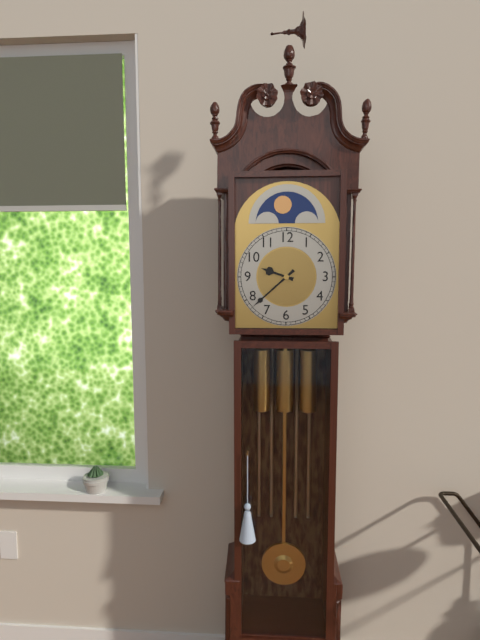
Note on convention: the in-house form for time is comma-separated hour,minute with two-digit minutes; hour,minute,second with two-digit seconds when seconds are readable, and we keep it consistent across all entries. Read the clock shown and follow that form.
9,38
